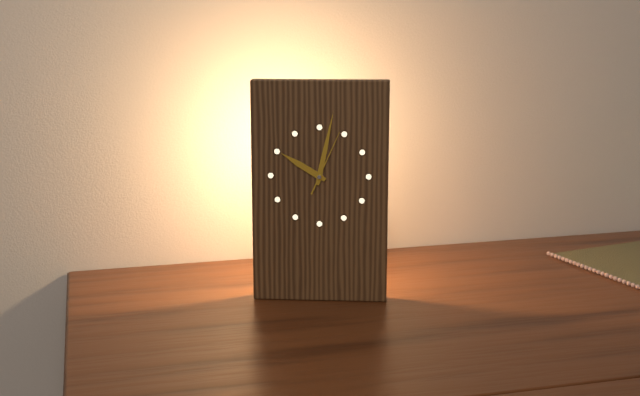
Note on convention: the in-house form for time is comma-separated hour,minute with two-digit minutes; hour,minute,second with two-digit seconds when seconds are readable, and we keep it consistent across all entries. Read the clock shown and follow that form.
10,02,04
